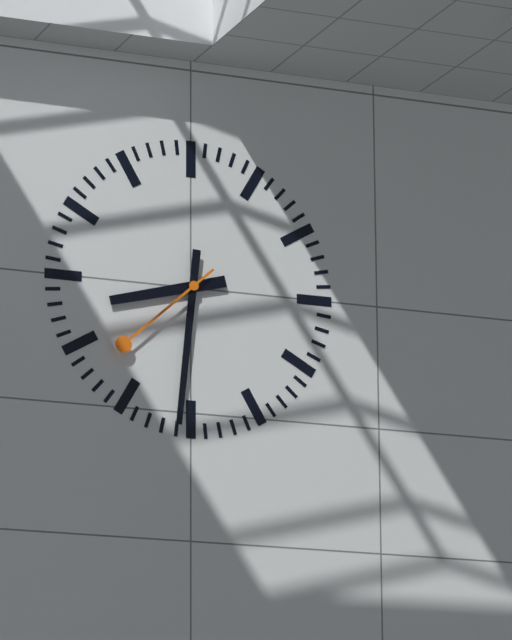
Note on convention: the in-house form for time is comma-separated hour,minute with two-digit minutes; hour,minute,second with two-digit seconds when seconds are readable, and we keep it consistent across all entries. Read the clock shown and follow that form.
8,31,38
